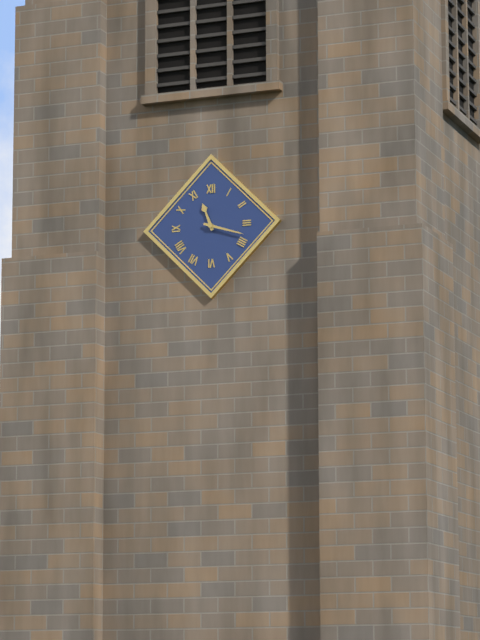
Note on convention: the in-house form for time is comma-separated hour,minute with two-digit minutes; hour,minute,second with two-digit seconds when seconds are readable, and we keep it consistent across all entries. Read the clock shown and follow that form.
11,18
